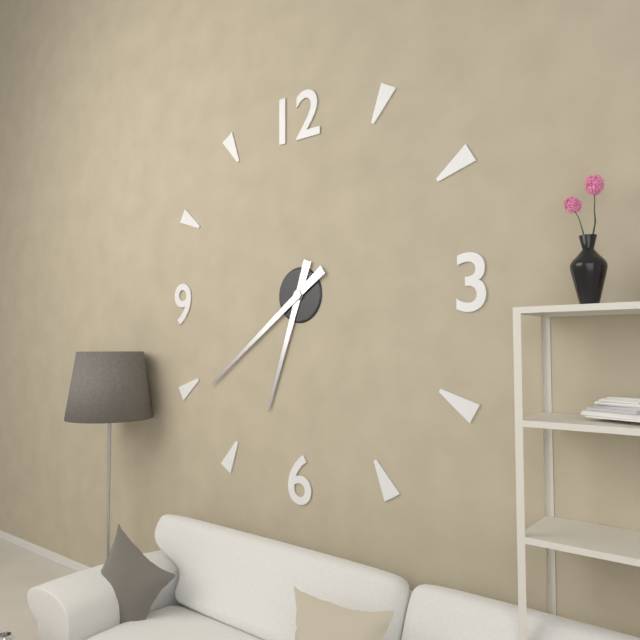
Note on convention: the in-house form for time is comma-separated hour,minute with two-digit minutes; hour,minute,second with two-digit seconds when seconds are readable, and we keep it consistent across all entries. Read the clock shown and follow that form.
6,39
